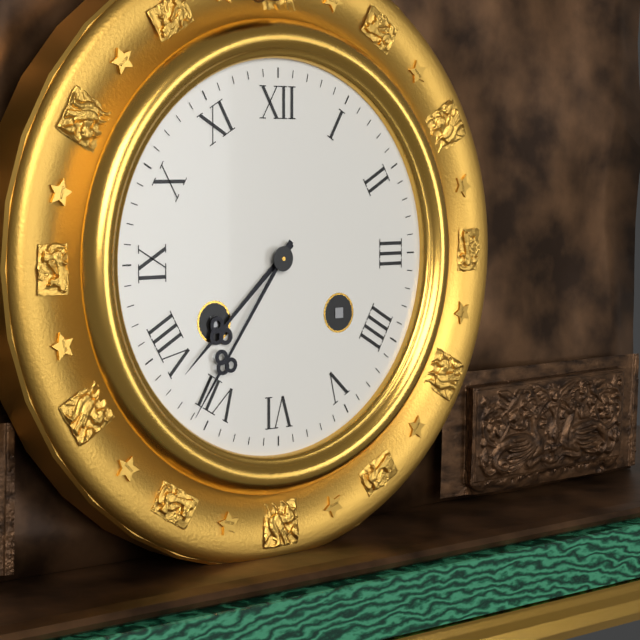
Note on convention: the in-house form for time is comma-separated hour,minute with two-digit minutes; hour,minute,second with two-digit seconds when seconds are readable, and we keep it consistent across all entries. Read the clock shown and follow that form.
7,36
